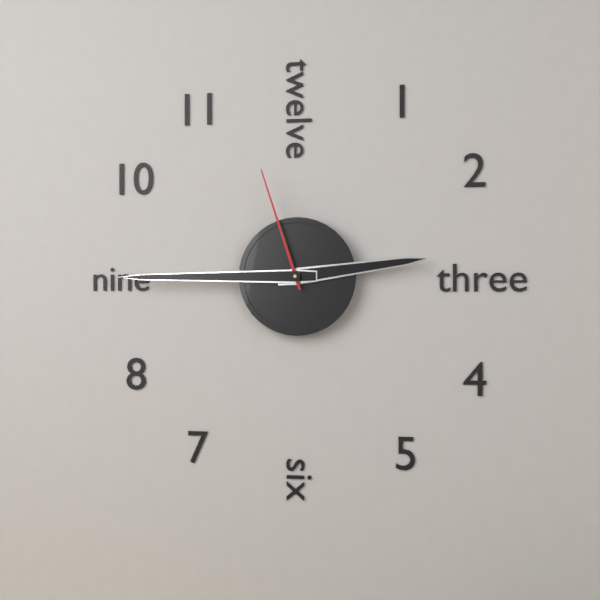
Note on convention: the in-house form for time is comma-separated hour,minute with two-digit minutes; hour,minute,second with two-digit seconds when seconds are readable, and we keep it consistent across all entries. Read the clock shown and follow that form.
2,45,57
